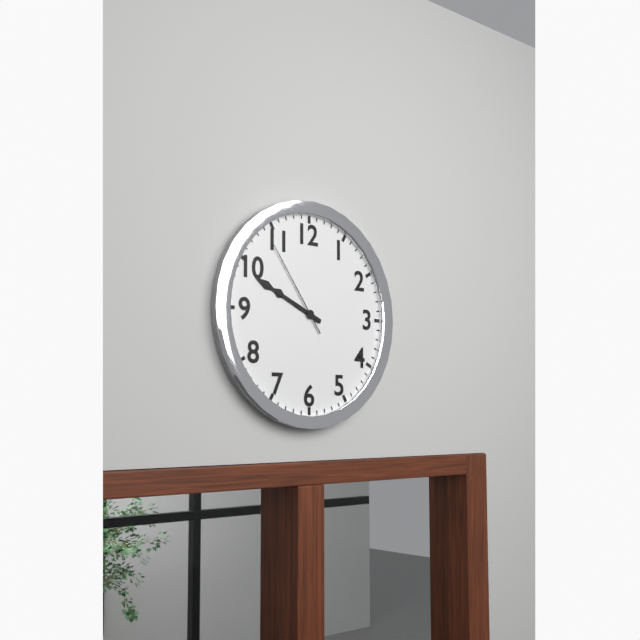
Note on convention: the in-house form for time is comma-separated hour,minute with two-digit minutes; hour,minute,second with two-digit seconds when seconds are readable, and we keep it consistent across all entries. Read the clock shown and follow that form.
9,49,54
